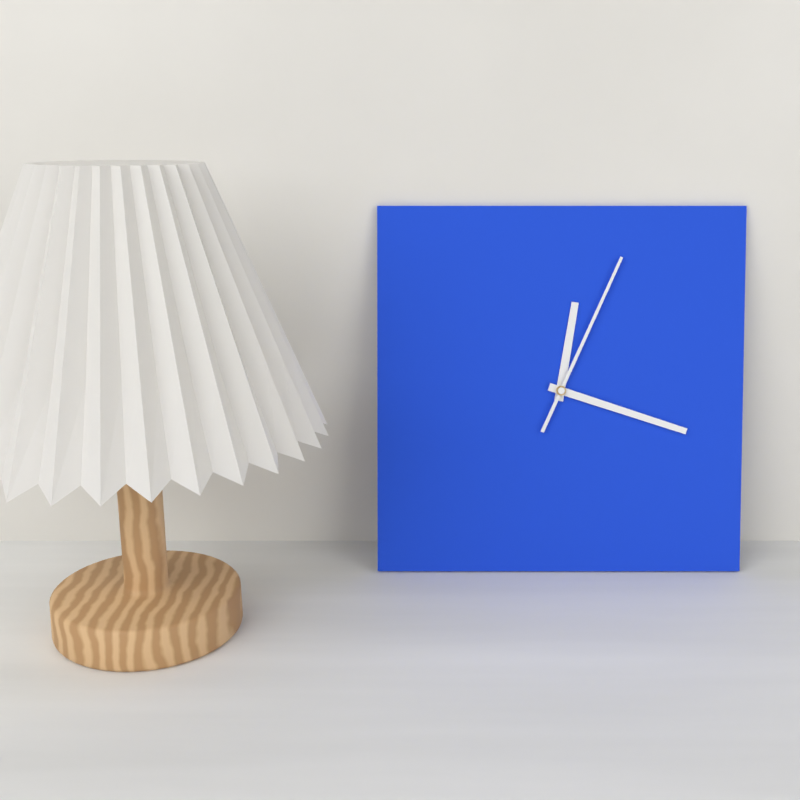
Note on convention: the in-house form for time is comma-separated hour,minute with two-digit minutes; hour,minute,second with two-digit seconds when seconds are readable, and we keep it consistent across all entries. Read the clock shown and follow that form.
12,18,04
